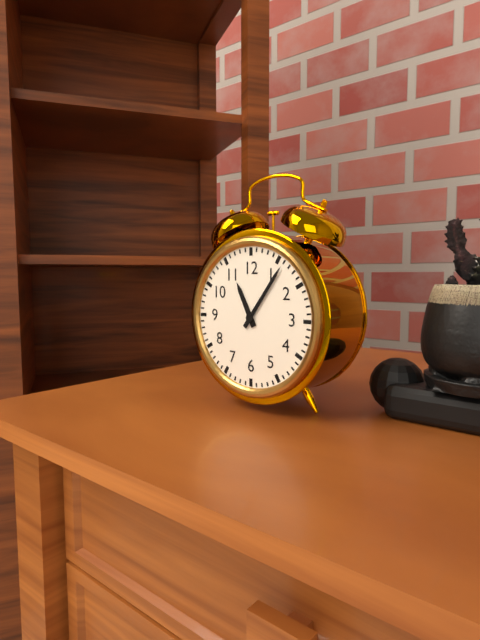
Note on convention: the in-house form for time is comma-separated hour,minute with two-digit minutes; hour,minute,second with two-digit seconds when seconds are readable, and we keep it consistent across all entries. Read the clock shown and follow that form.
11,06
